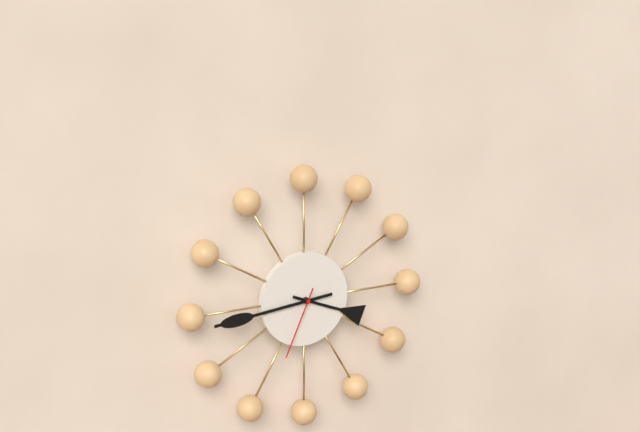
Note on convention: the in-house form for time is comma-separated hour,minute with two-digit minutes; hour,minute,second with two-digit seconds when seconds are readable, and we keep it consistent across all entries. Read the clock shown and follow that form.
3,44,34
